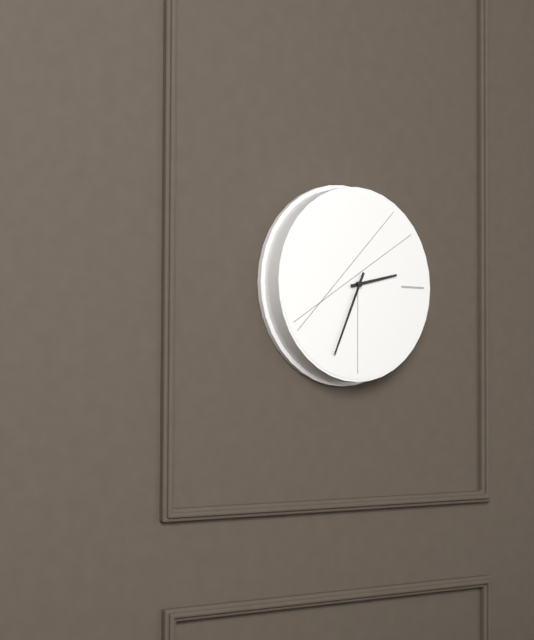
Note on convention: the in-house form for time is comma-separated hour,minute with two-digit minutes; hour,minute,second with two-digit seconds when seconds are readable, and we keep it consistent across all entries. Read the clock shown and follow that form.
2,34
